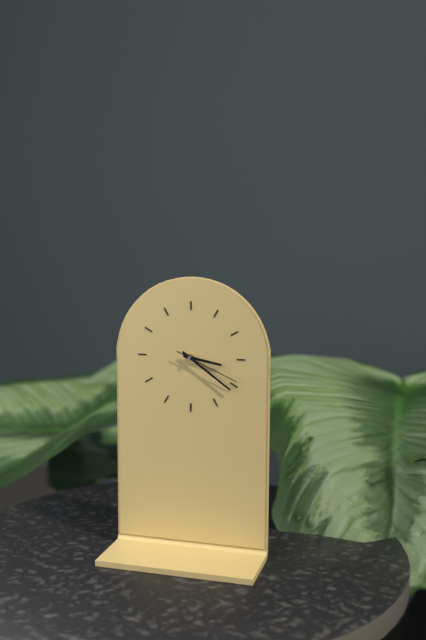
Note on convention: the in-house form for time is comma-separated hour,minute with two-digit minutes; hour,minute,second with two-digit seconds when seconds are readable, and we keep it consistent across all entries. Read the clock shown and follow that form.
3,21,19
